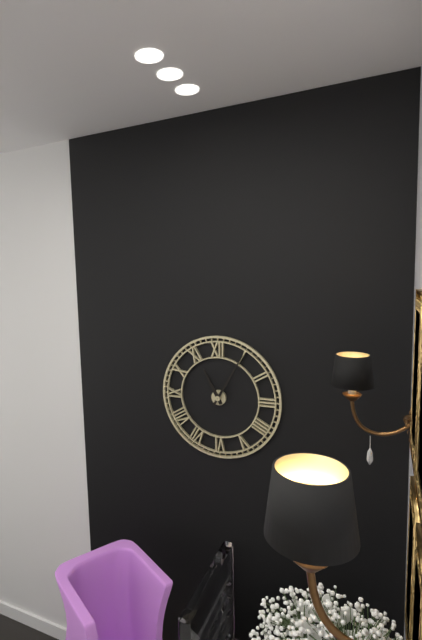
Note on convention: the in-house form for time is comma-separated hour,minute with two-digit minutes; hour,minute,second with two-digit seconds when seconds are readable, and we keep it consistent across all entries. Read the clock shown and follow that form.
11,05
